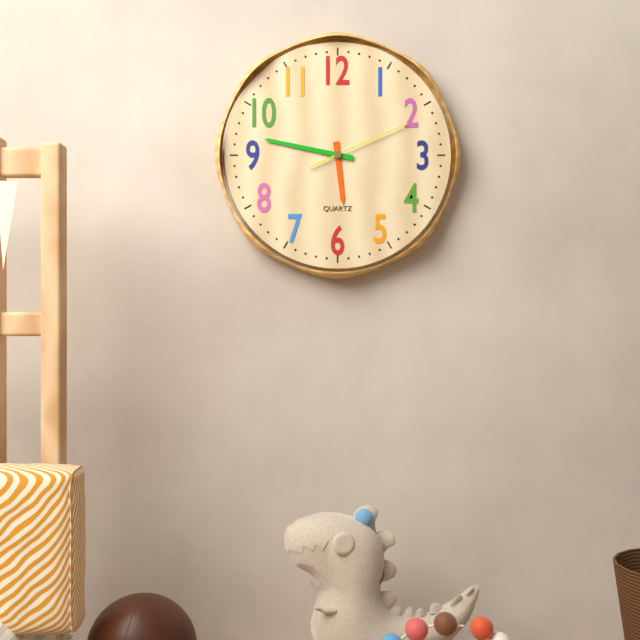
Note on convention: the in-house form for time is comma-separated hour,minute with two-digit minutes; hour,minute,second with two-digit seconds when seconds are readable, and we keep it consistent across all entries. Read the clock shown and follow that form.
5,47,11
